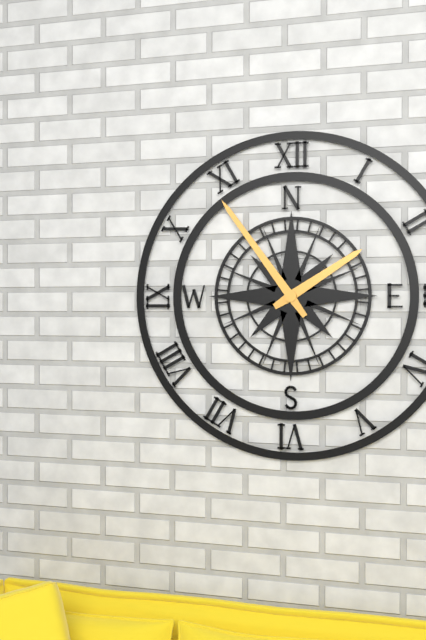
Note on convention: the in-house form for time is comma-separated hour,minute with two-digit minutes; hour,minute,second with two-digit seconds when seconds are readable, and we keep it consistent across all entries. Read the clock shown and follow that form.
1,54
